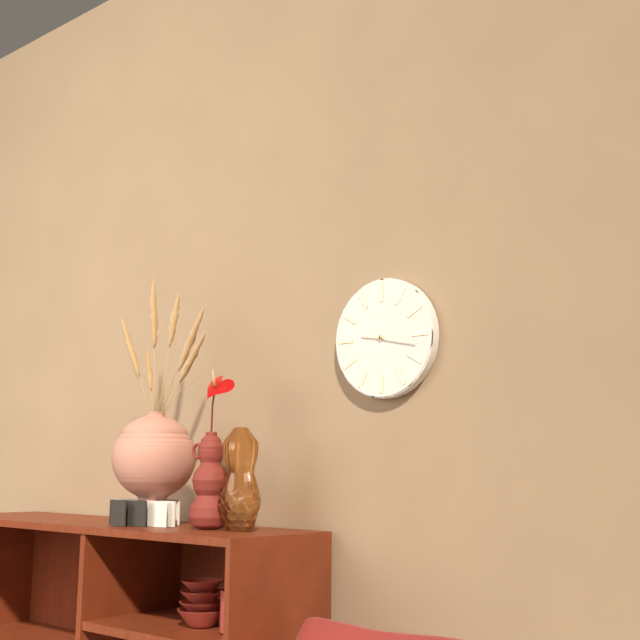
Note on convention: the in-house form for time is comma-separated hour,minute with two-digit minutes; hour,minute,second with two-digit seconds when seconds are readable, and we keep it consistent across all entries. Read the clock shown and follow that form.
9,17
